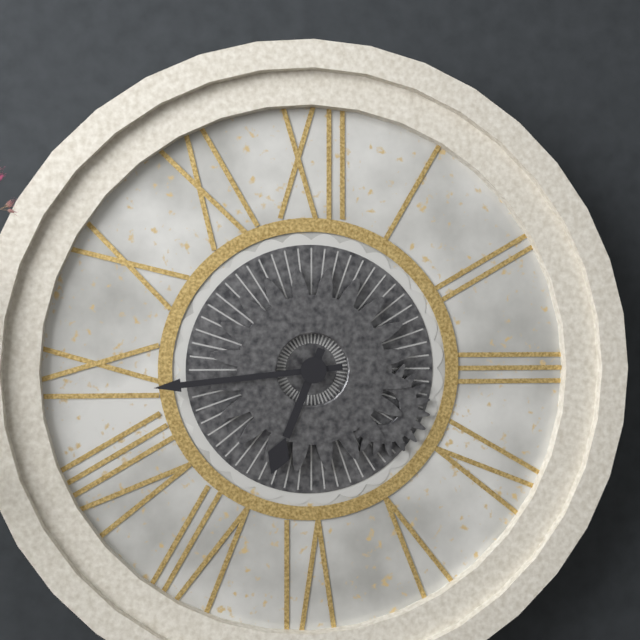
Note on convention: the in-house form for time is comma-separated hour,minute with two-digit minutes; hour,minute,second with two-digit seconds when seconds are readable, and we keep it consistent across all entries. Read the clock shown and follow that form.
6,44
